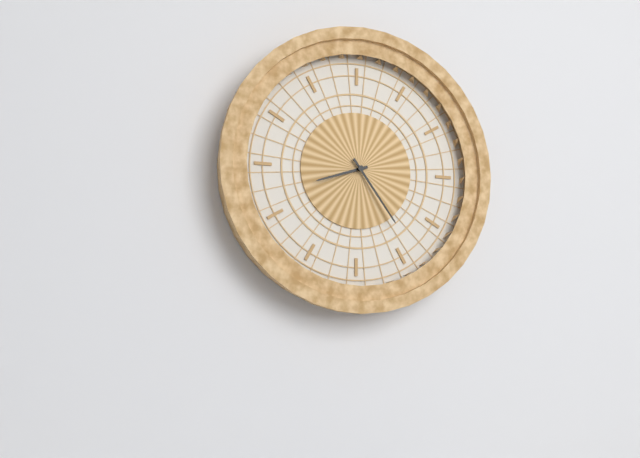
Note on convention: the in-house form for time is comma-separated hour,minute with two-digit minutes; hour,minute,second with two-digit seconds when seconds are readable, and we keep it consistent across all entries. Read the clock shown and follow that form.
8,24
